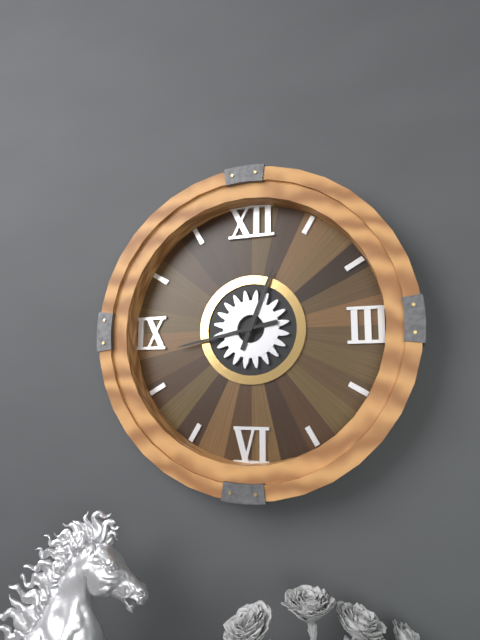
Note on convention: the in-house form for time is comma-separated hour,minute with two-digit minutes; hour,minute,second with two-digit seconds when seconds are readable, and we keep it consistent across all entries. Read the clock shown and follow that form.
12,43
